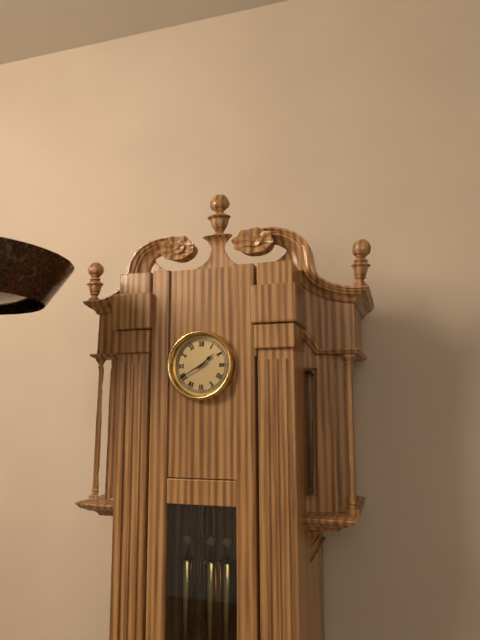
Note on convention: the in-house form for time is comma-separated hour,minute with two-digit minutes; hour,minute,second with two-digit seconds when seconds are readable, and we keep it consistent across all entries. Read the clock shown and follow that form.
1,40
